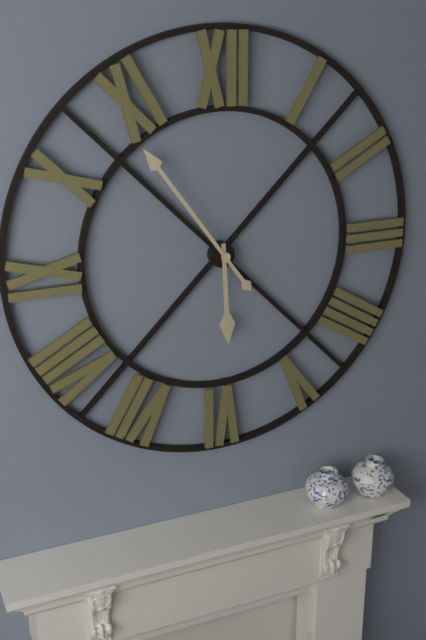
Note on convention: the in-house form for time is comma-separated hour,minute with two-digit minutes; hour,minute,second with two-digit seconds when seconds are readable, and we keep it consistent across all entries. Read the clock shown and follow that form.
5,54
